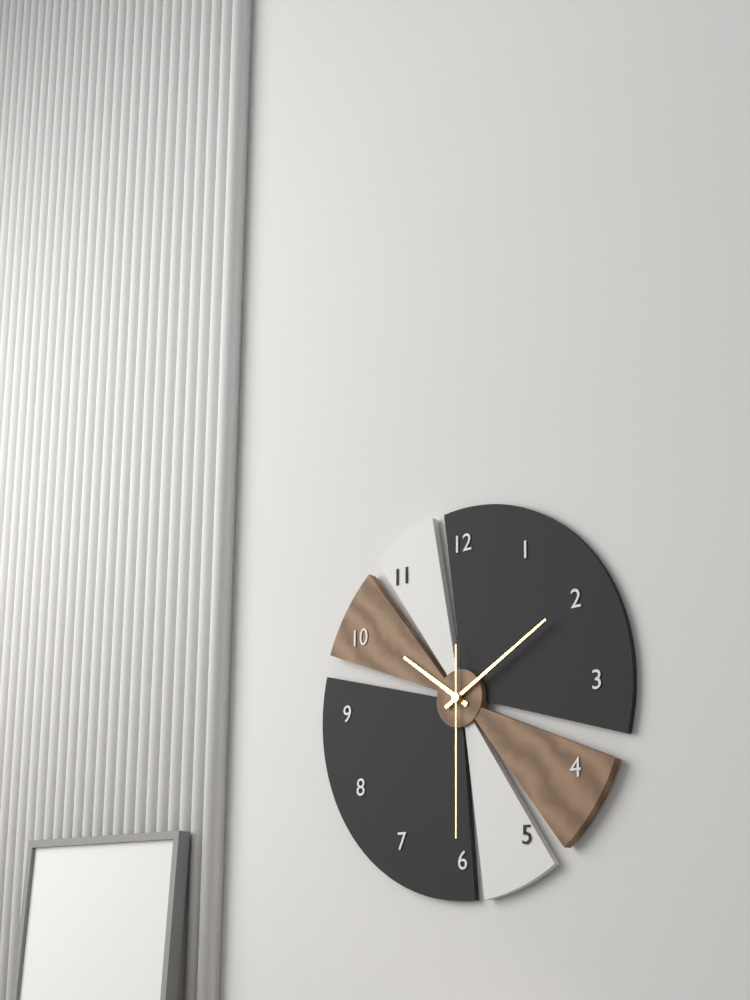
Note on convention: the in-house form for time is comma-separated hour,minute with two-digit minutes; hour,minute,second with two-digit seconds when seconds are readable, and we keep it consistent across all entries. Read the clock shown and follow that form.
10,10,30
